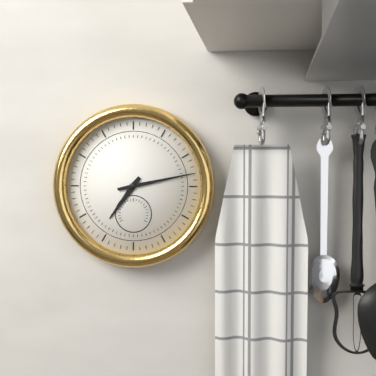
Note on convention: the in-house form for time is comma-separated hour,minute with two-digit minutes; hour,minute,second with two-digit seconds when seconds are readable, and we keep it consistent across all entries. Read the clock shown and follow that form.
7,13
